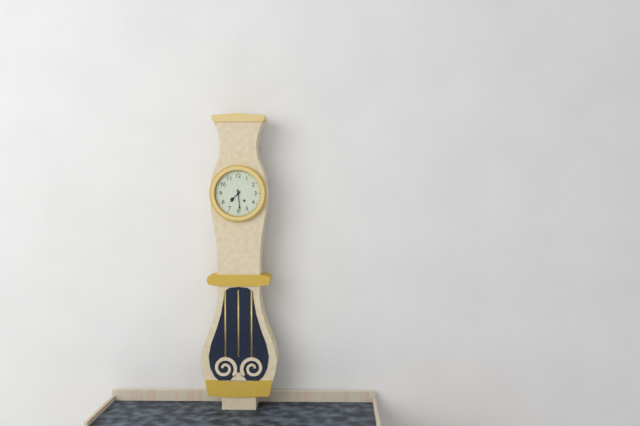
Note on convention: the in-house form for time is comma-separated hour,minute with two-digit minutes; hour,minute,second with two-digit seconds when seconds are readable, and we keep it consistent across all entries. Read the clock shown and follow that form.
7,29
